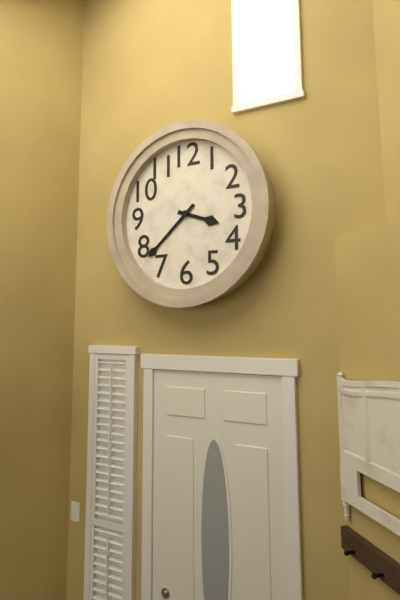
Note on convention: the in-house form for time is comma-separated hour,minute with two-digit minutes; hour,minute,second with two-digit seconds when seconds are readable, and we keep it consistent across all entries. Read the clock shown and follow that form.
3,38
